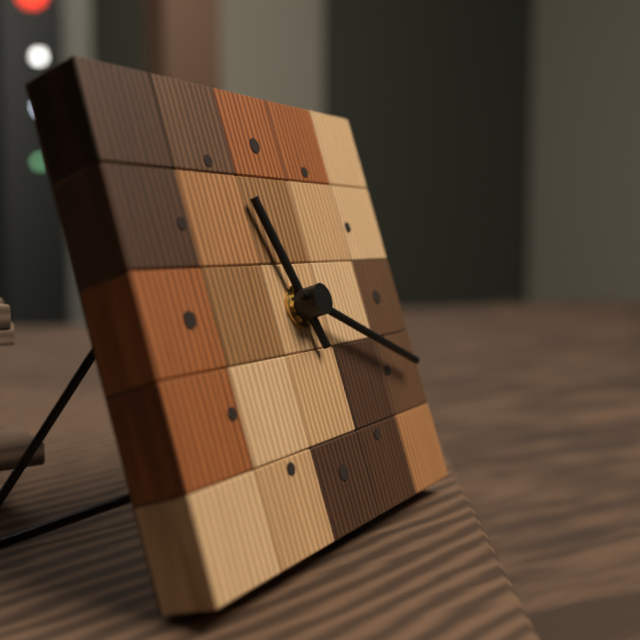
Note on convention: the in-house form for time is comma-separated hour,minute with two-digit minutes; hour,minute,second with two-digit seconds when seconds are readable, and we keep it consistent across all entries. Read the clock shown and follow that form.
11,19
